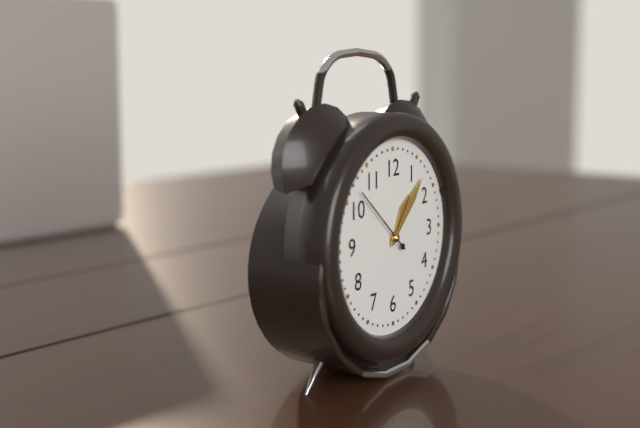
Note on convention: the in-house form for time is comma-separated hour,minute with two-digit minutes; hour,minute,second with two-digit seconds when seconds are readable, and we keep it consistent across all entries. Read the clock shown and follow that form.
1,07,52
